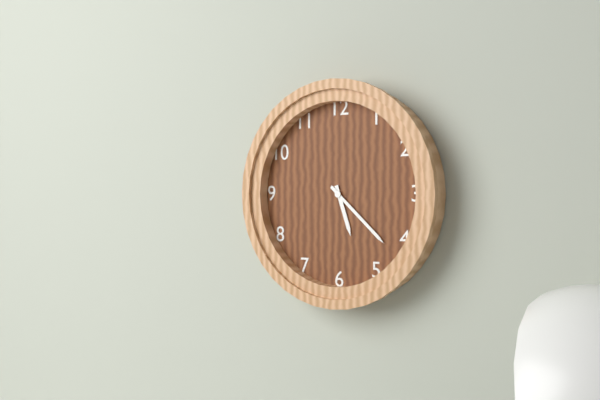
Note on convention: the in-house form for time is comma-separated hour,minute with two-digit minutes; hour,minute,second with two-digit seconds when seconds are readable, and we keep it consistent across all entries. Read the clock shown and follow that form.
5,22
